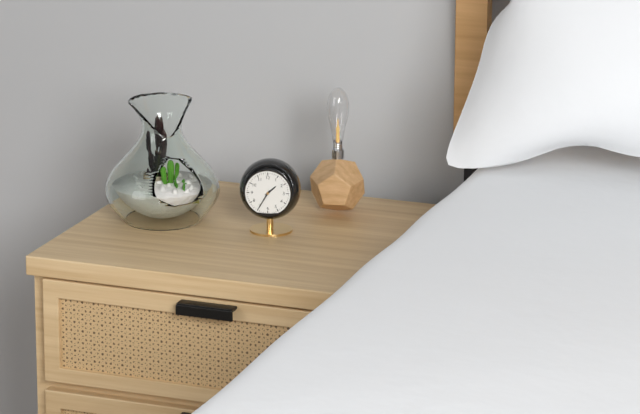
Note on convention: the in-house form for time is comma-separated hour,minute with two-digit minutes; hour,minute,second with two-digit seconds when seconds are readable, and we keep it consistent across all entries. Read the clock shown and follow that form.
1,35
